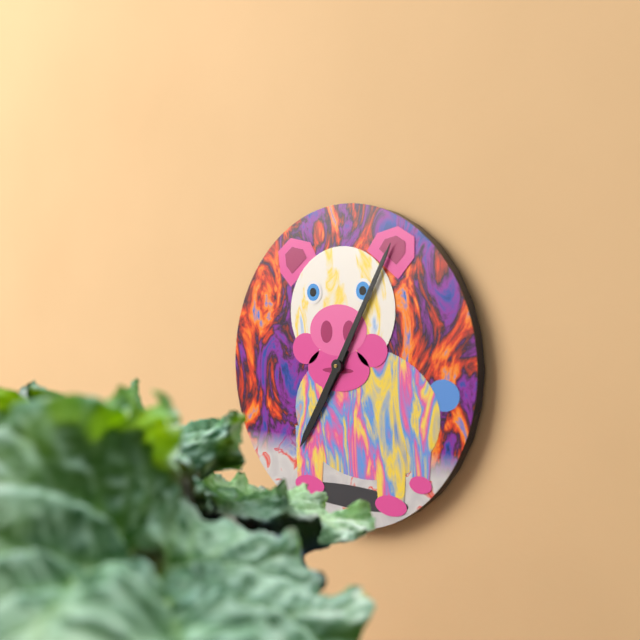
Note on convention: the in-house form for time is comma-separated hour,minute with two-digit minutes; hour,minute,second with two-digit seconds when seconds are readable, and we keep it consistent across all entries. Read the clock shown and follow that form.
7,05
